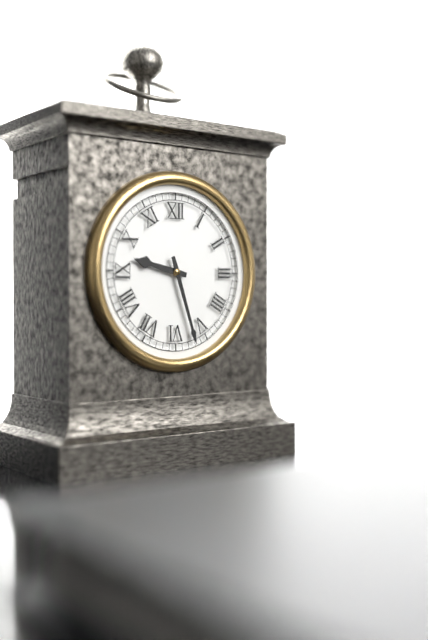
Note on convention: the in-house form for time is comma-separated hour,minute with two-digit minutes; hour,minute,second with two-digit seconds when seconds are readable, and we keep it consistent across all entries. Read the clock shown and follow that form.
9,27
